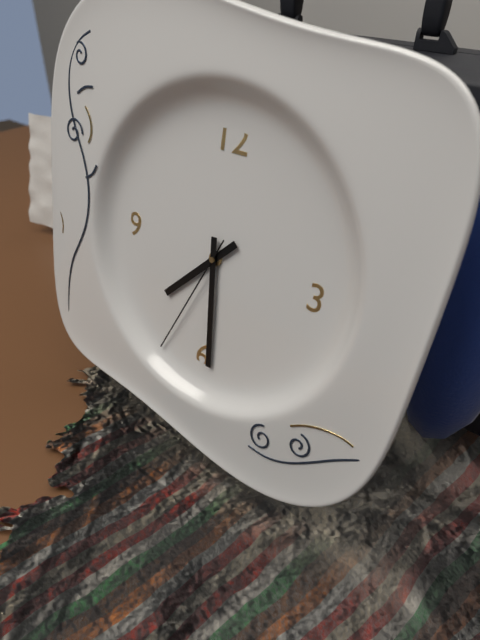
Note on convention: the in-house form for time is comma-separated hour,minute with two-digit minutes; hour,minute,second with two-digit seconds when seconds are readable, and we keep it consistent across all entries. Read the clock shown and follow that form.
7,29,34
